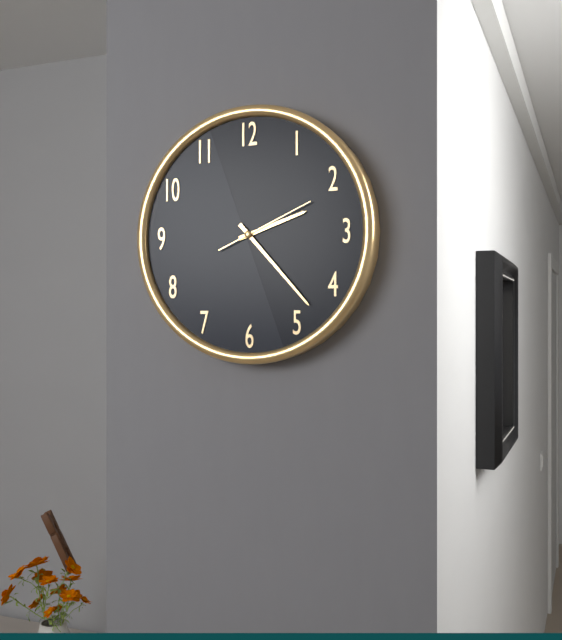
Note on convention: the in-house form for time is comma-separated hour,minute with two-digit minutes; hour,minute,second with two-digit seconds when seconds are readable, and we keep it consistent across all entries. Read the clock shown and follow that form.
2,23,11
